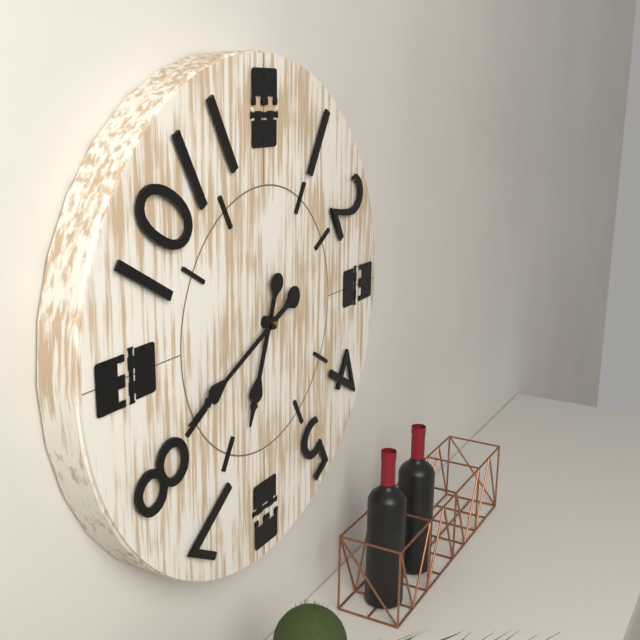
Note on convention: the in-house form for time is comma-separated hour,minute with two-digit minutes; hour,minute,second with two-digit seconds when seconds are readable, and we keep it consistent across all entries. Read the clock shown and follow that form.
6,41
